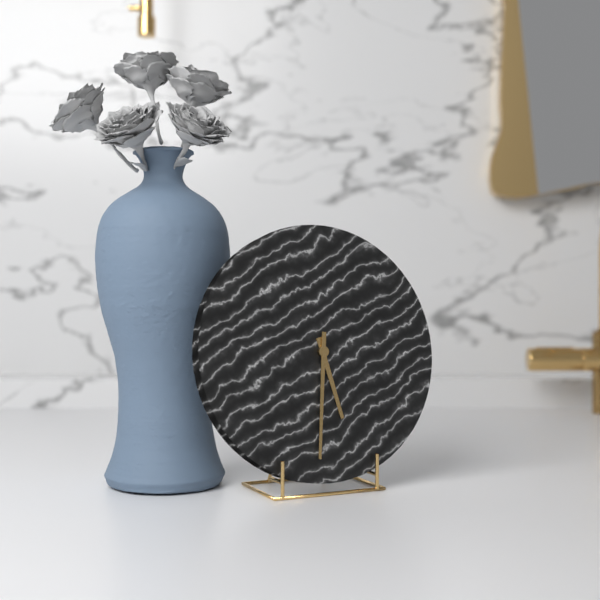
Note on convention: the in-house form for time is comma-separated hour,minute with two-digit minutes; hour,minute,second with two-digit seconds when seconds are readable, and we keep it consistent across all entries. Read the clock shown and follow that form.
5,31
